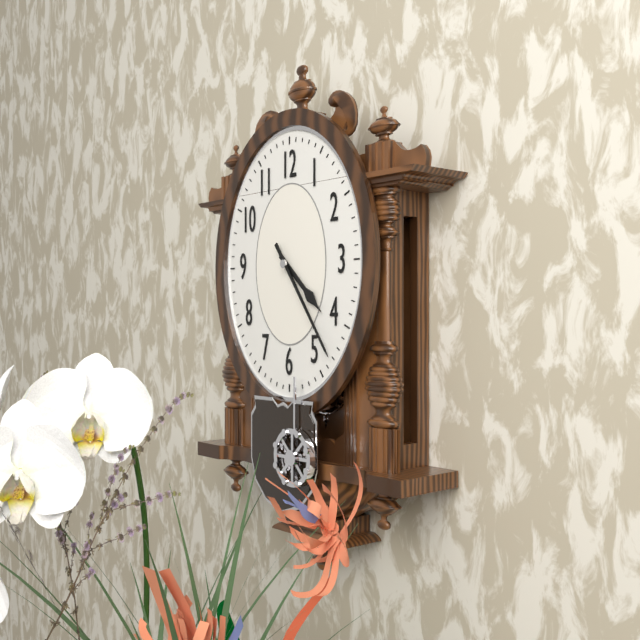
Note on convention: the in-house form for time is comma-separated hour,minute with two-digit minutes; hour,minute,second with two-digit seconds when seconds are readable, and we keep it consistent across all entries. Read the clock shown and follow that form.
4,24
